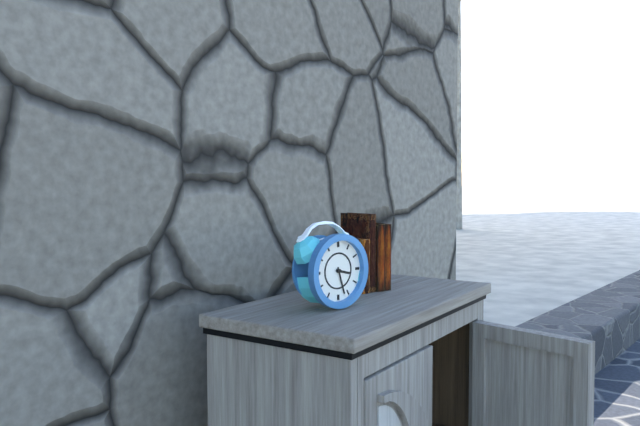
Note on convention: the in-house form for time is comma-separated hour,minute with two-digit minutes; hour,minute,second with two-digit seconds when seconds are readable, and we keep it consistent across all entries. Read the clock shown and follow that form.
3,27
